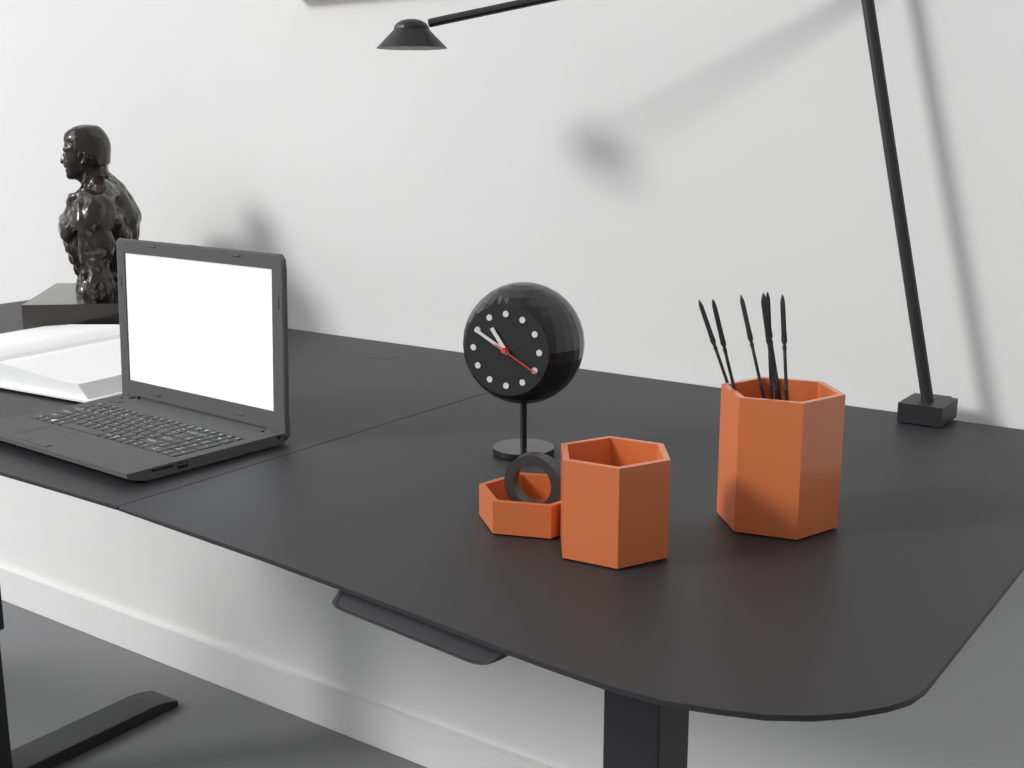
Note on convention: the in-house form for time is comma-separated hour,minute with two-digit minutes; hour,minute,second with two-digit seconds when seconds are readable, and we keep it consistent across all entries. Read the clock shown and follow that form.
10,50
